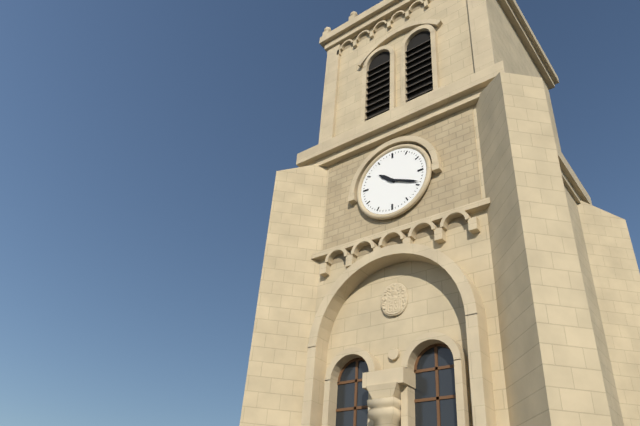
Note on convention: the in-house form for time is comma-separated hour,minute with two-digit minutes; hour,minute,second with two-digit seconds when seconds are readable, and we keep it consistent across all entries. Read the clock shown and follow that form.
10,19
